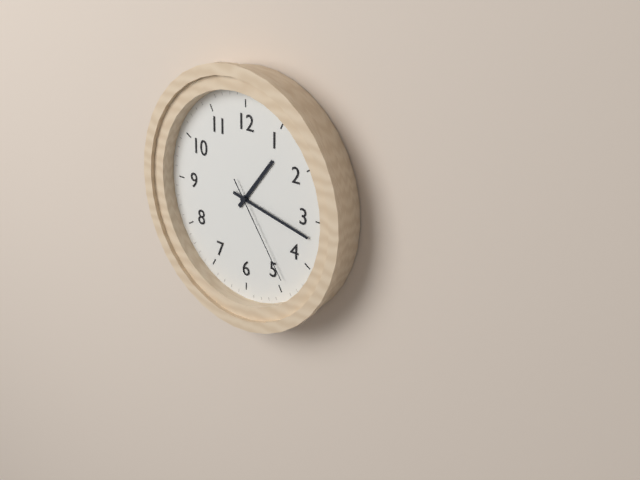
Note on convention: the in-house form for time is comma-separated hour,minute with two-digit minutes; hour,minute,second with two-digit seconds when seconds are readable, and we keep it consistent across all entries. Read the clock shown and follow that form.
1,17,24
